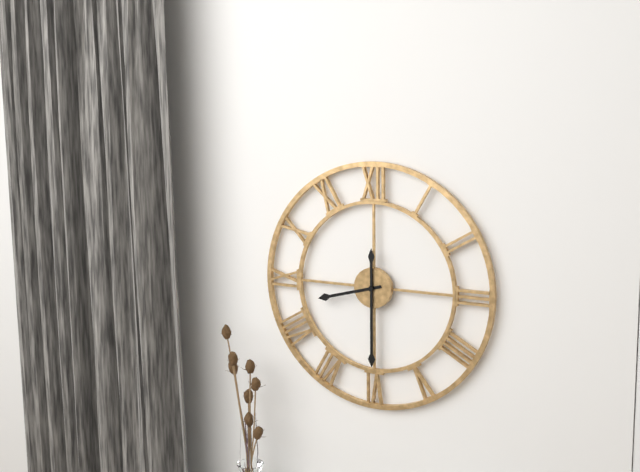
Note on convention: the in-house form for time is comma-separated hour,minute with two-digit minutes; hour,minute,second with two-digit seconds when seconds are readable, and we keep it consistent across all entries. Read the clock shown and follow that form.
8,30
